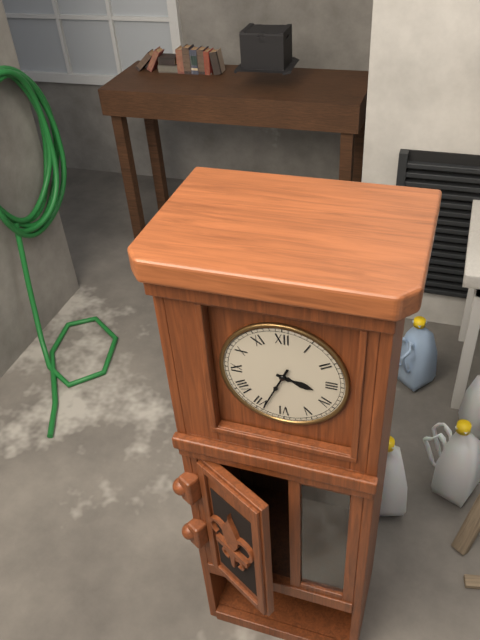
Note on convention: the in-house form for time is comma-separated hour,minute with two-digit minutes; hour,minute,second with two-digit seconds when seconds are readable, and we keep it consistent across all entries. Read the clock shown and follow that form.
3,34
